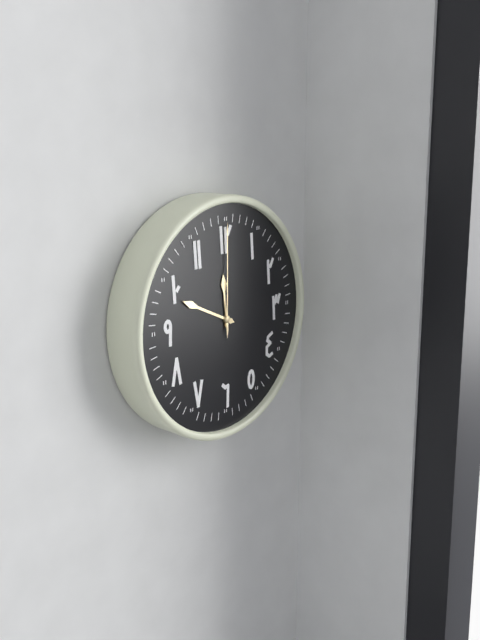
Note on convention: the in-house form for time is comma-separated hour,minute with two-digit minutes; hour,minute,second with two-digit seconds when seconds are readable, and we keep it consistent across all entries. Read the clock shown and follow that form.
11,49,00
